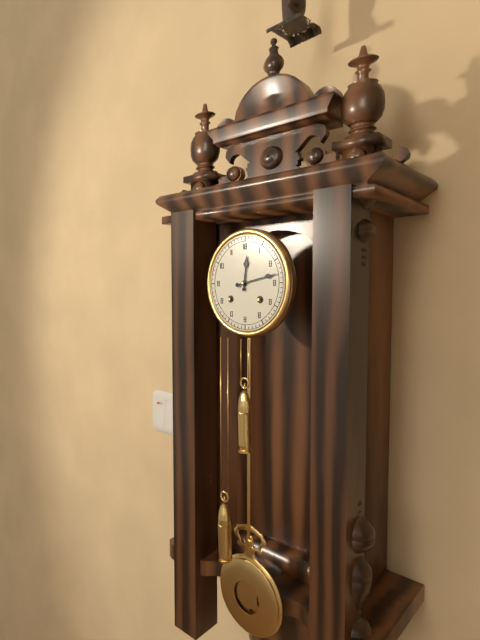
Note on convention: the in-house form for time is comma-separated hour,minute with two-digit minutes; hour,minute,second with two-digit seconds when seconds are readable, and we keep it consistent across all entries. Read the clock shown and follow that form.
12,13
